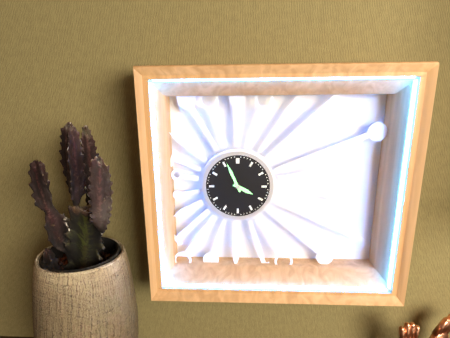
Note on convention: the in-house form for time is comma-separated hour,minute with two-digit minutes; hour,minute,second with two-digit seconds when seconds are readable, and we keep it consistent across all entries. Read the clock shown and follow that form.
3,56
